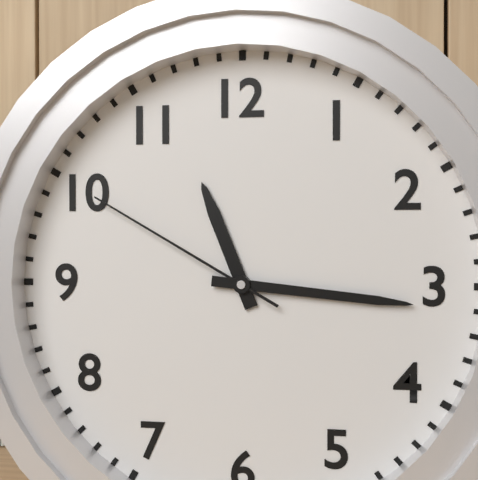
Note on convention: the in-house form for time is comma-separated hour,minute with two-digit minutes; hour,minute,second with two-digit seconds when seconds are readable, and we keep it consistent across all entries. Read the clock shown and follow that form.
11,16,50
